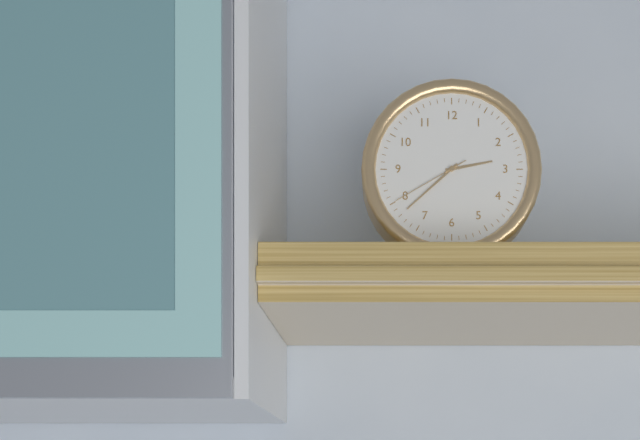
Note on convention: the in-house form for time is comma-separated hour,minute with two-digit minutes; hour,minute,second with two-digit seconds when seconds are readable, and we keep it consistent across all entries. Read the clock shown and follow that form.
2,38,40
